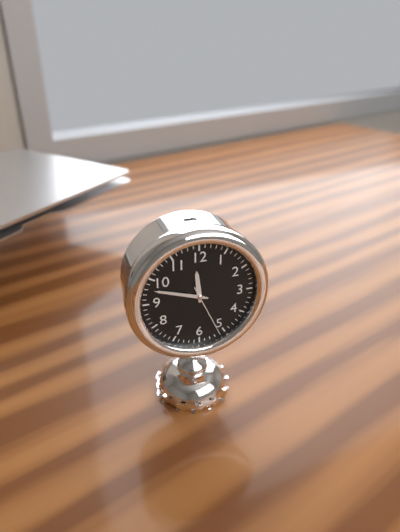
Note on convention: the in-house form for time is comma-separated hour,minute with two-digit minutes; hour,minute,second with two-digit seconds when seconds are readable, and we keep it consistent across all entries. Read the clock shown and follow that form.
11,48,26
